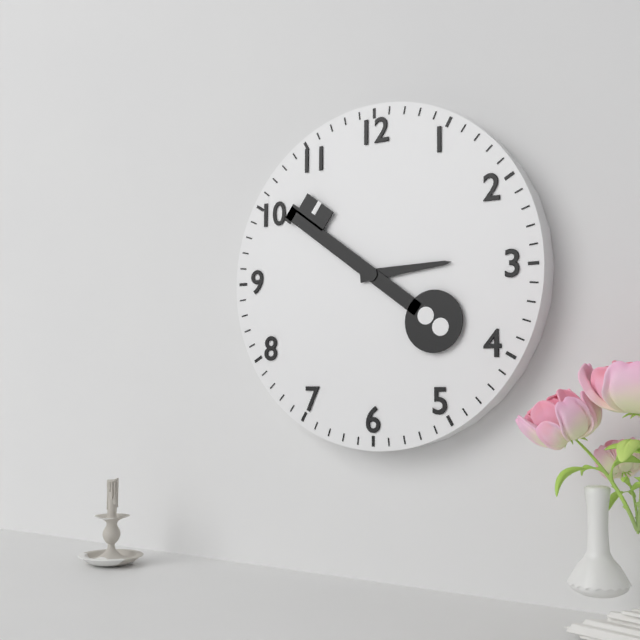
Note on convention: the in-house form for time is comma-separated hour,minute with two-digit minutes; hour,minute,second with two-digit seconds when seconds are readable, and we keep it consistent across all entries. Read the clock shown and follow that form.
2,51
